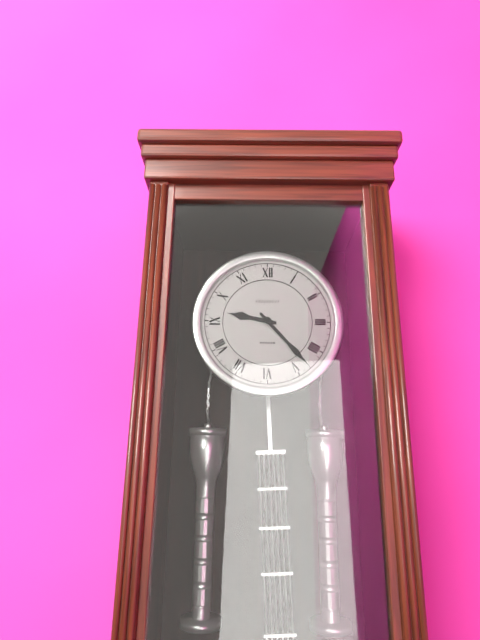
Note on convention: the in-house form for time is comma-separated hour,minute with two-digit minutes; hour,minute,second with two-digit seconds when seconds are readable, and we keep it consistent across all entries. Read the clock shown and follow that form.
9,23
